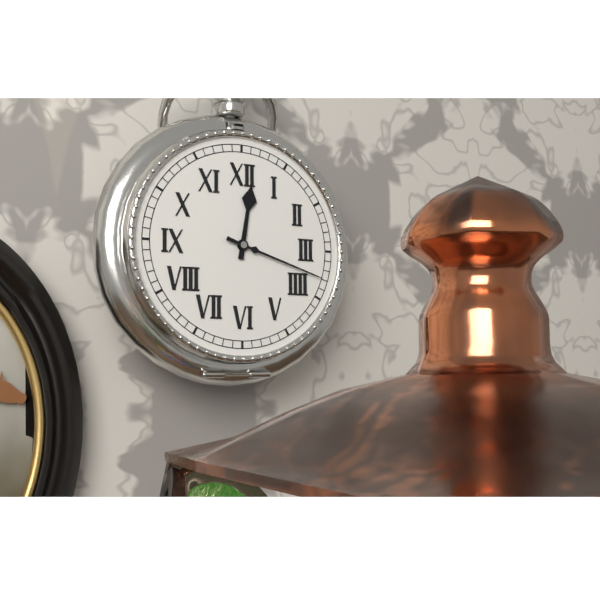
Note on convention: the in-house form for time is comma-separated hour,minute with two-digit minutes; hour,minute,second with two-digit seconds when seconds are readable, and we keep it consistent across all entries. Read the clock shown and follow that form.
12,18
